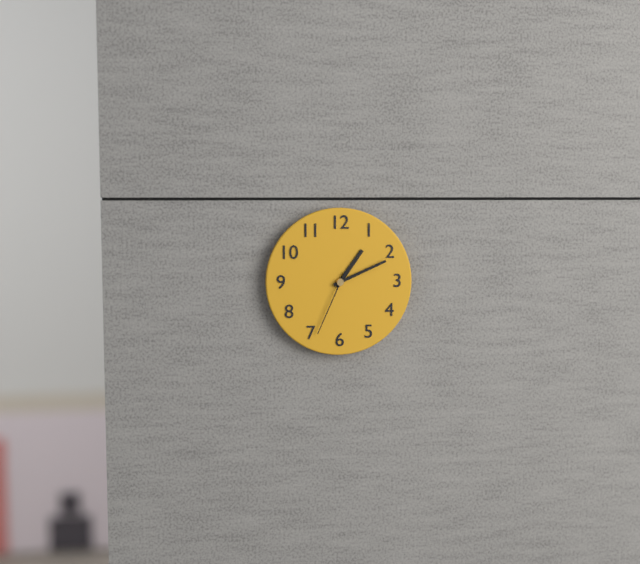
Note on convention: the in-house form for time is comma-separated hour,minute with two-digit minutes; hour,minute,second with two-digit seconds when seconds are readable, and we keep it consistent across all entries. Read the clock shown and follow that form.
1,11,34
